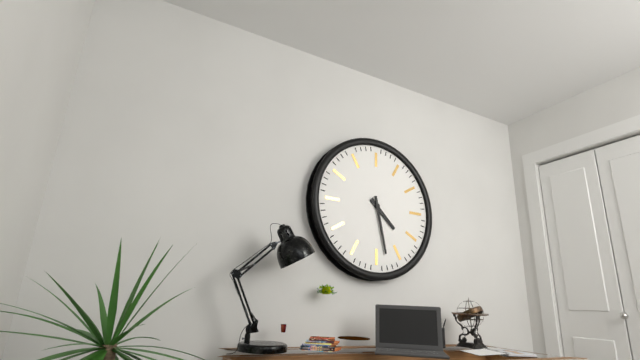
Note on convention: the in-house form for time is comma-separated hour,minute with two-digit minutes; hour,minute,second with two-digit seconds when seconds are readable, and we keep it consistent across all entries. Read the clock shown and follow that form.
4,28
